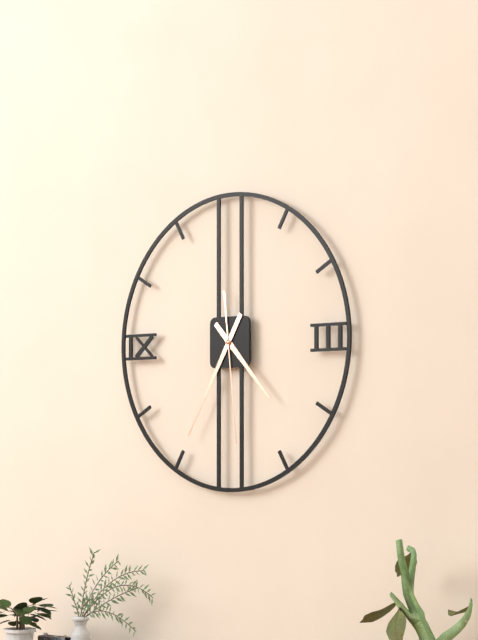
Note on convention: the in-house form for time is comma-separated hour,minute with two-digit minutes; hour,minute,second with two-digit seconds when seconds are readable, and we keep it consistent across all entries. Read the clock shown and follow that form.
4,35,29
